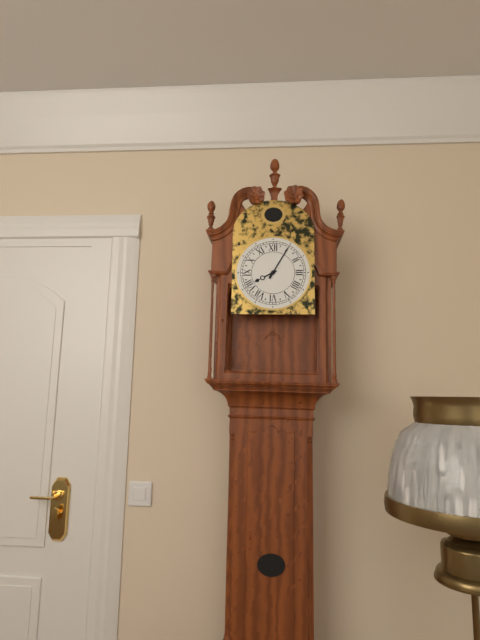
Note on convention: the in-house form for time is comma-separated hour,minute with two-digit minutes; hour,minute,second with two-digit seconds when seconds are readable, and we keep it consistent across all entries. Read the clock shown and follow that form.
8,05
